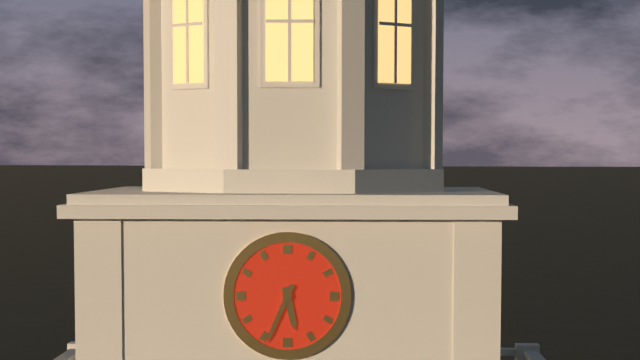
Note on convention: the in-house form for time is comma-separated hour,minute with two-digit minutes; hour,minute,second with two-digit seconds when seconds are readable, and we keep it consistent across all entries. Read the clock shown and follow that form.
5,34
